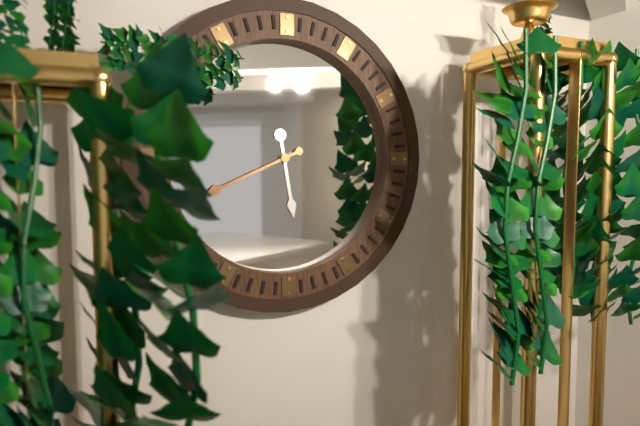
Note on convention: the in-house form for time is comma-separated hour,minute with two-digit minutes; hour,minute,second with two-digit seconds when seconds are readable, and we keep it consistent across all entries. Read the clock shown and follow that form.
5,41
